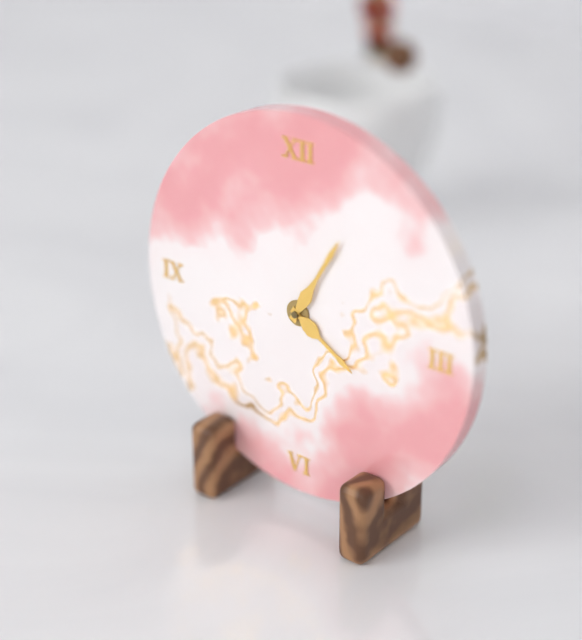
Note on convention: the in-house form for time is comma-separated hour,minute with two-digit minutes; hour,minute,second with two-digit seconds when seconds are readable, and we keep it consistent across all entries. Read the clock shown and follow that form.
4,05
